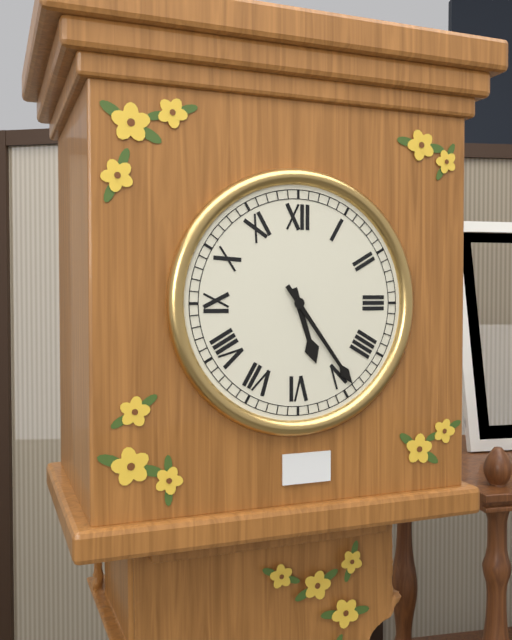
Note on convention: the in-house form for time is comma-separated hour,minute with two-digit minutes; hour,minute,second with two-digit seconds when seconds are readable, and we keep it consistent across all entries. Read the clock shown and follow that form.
5,24
